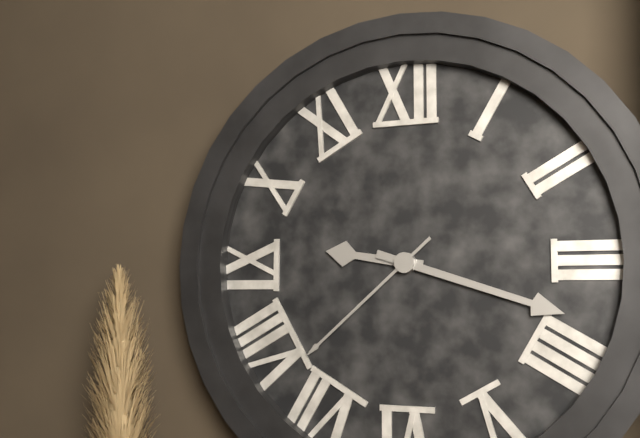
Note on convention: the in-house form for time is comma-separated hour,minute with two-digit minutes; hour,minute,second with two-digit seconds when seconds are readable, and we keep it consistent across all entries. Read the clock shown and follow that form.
9,18,38
